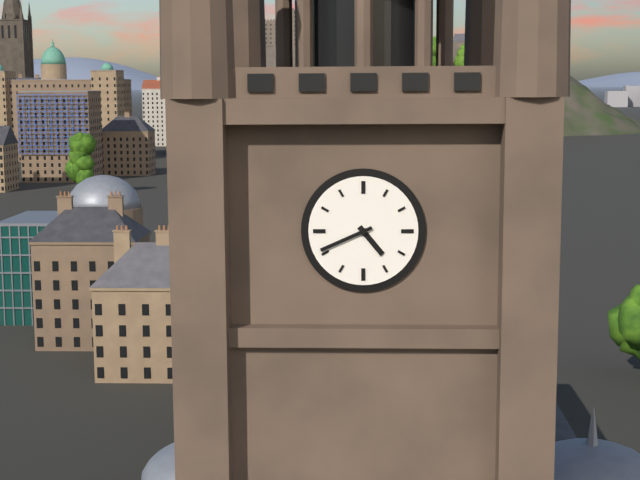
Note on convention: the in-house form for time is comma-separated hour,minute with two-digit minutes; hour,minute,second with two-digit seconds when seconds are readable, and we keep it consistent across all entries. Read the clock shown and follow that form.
4,41
